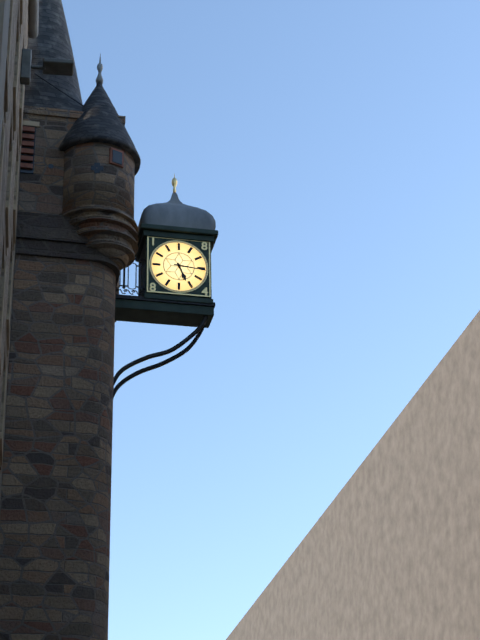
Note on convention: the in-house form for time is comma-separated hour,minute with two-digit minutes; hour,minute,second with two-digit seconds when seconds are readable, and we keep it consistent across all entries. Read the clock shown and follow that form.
5,16
